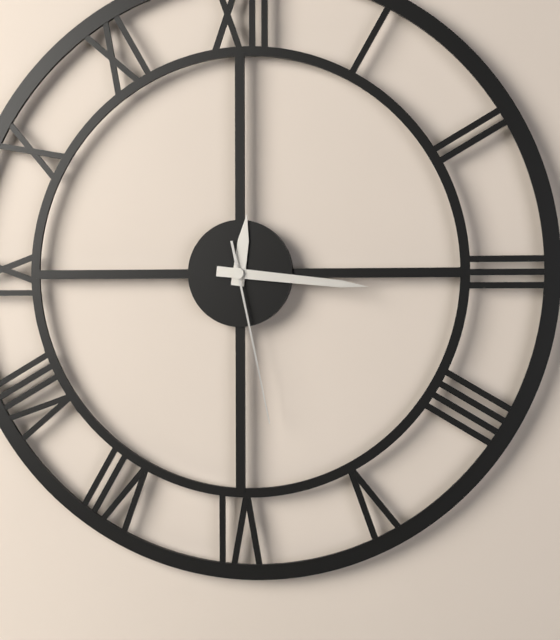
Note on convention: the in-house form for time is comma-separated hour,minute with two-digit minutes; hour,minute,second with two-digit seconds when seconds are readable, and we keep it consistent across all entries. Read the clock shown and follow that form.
12,16,28
